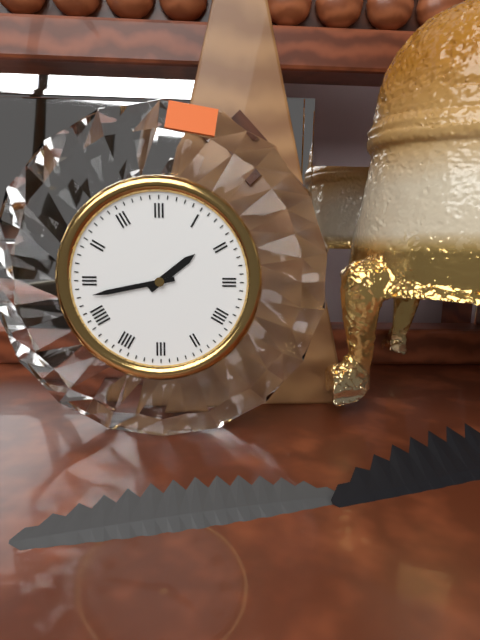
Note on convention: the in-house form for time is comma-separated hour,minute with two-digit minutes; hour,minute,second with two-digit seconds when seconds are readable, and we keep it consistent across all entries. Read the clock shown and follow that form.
1,43
